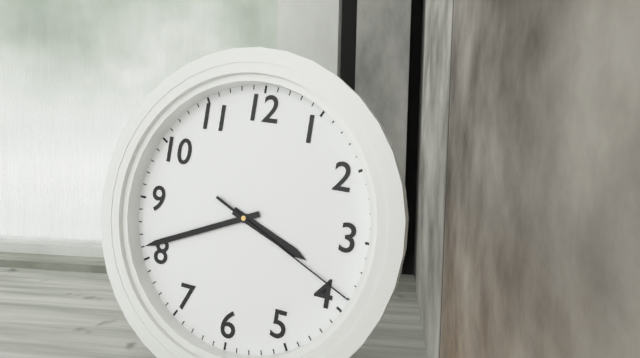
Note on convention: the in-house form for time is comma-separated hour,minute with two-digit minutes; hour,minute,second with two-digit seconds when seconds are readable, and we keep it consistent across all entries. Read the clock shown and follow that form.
3,41,19
